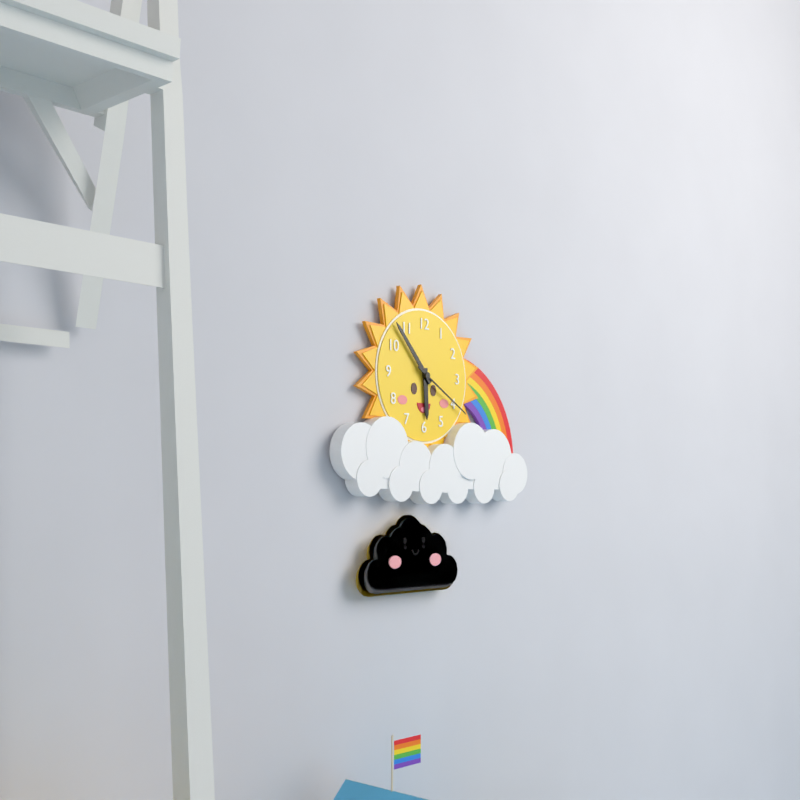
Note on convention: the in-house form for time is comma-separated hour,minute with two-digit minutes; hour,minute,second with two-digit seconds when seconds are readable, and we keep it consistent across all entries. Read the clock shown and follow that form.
5,53,20
